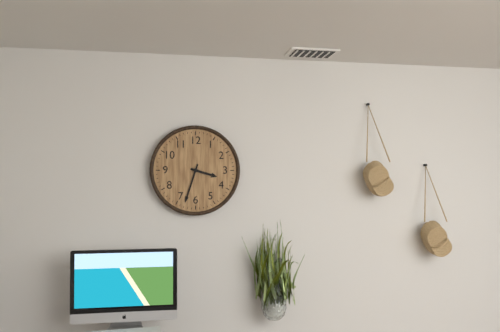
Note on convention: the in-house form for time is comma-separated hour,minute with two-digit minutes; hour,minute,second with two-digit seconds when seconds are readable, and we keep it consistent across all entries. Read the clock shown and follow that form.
3,33
